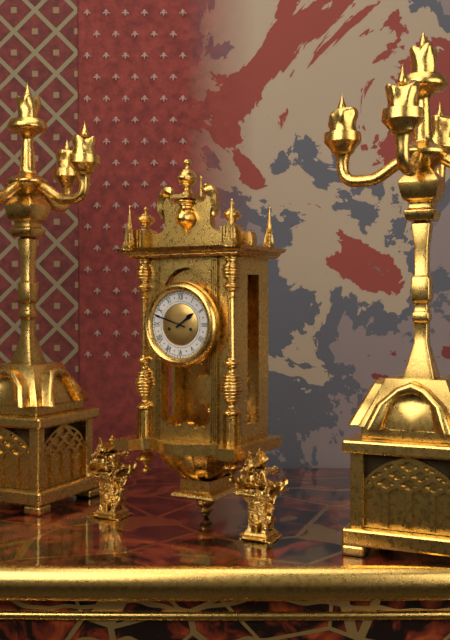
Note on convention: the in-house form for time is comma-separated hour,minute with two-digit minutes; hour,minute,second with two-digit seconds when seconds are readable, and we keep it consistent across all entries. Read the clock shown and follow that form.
1,48
